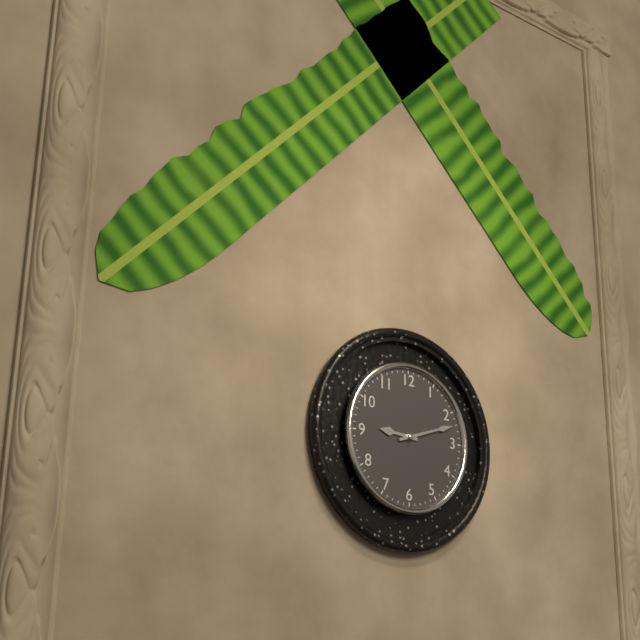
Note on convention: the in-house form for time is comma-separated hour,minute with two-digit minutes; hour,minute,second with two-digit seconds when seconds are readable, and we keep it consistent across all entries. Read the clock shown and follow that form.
9,12
